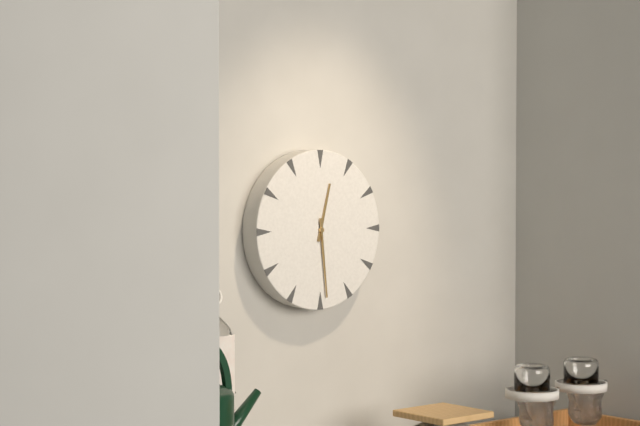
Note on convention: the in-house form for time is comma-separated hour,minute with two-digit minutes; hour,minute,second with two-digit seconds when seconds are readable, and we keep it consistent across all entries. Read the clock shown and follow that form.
12,29
